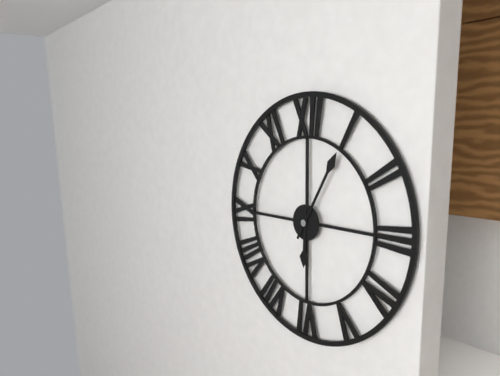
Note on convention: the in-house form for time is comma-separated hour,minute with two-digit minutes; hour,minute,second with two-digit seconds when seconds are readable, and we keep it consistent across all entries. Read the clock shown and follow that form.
6,05
